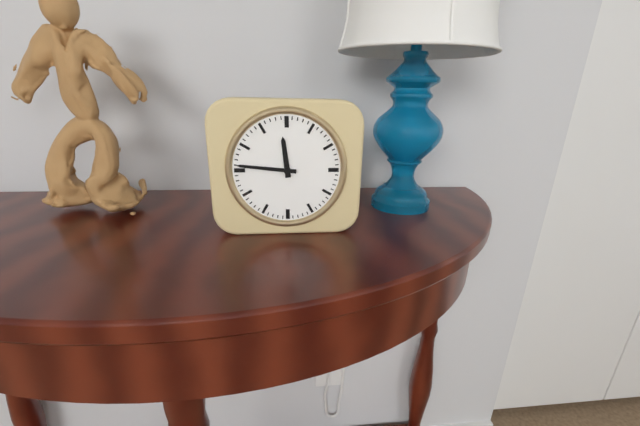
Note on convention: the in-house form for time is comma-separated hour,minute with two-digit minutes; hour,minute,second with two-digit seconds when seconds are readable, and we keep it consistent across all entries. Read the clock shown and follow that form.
11,46
